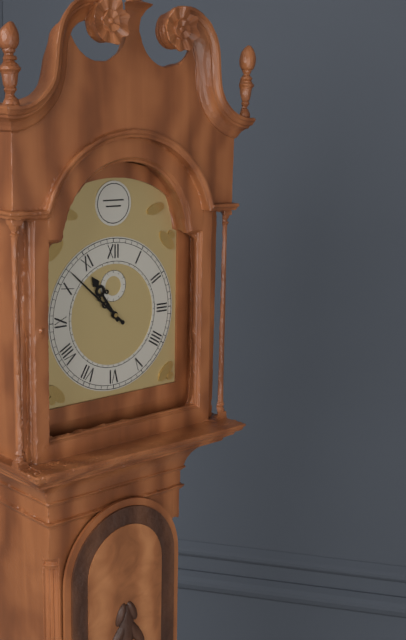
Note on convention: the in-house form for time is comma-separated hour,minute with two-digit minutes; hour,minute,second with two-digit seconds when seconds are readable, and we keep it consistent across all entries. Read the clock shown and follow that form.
10,52
